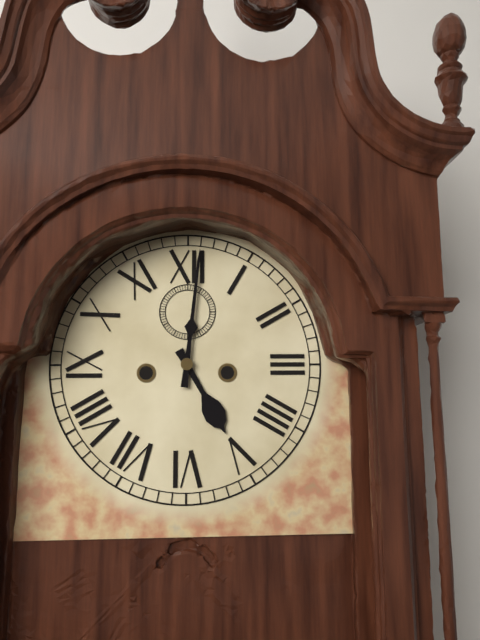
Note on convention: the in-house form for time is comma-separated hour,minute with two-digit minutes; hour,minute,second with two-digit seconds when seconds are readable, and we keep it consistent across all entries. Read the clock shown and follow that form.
5,01
